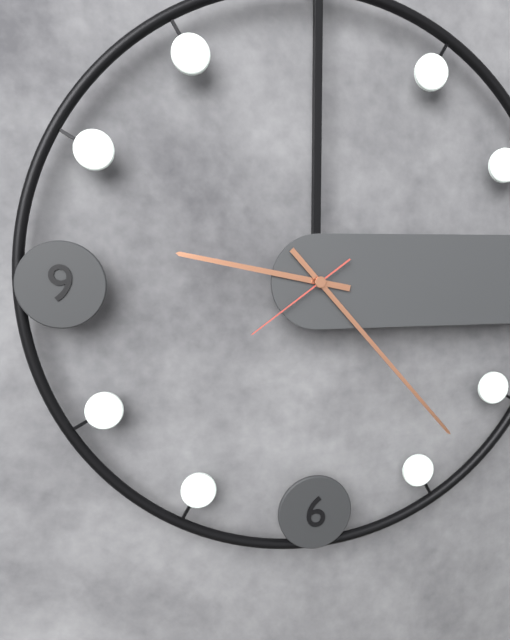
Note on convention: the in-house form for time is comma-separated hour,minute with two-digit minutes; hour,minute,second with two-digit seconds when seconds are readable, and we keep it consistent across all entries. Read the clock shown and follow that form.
9,23,39
